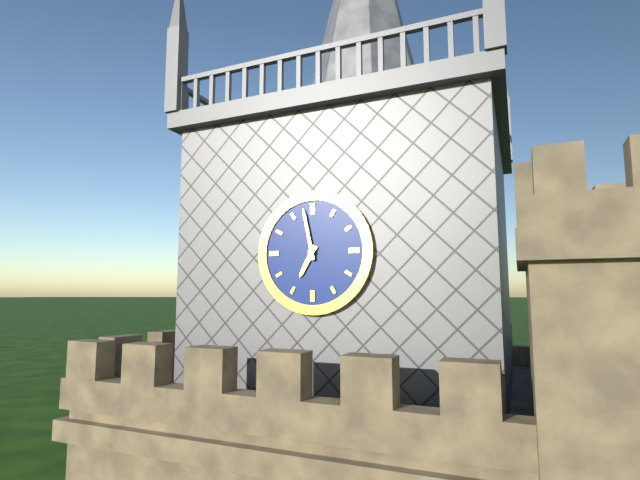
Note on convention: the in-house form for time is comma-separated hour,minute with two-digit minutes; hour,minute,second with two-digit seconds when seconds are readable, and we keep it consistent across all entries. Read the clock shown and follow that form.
6,58
